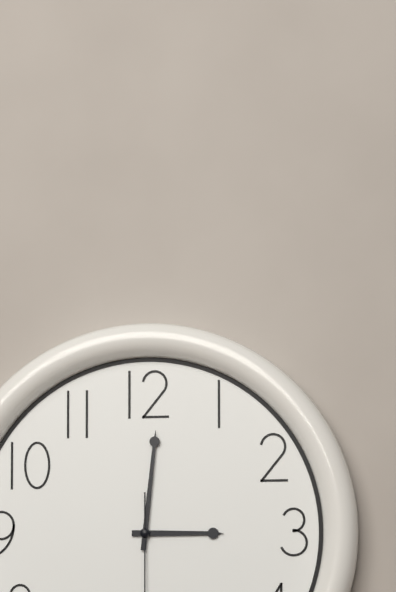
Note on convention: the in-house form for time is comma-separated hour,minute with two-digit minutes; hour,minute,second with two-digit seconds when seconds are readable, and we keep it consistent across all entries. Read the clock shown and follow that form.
3,01
